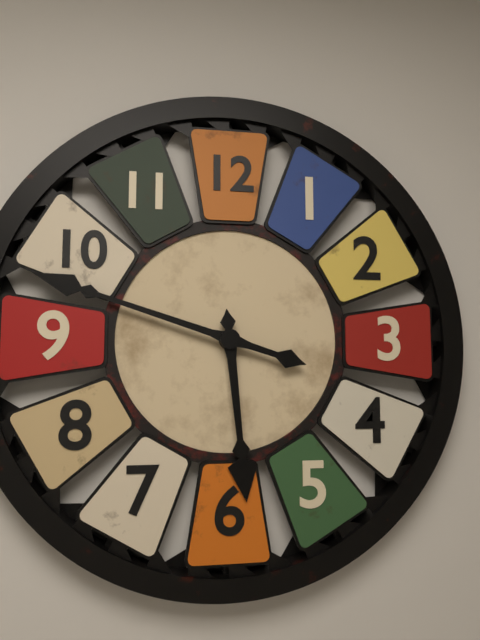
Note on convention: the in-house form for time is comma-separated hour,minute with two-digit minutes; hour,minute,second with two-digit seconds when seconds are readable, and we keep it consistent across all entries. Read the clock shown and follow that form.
5,48
